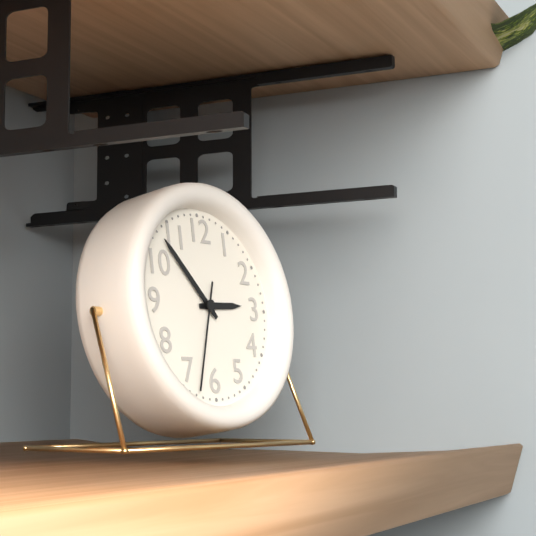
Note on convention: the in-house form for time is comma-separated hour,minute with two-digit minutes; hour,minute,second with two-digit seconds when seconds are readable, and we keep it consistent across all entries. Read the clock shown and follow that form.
2,53,33
